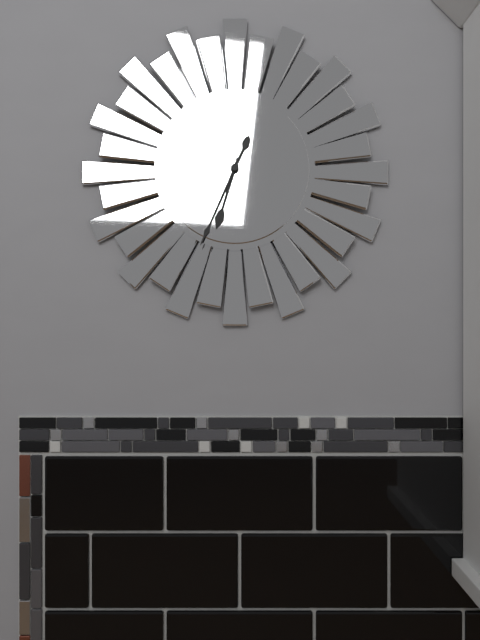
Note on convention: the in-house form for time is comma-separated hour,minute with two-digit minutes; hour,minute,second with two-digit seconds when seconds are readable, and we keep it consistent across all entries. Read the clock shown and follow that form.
6,34
